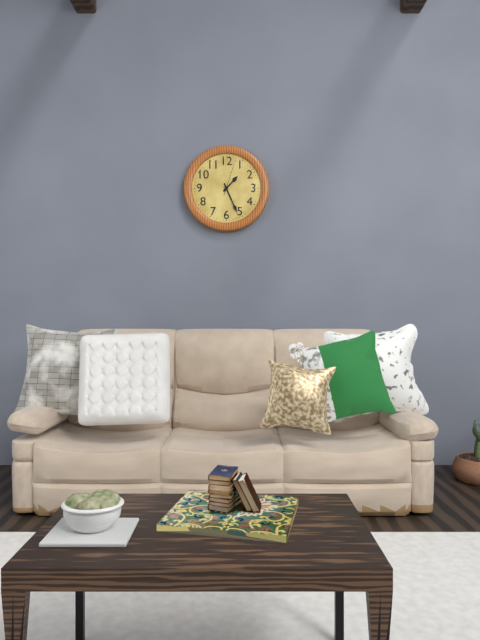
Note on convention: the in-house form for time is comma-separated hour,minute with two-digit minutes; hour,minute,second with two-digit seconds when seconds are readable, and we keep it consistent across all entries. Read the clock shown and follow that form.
1,26
